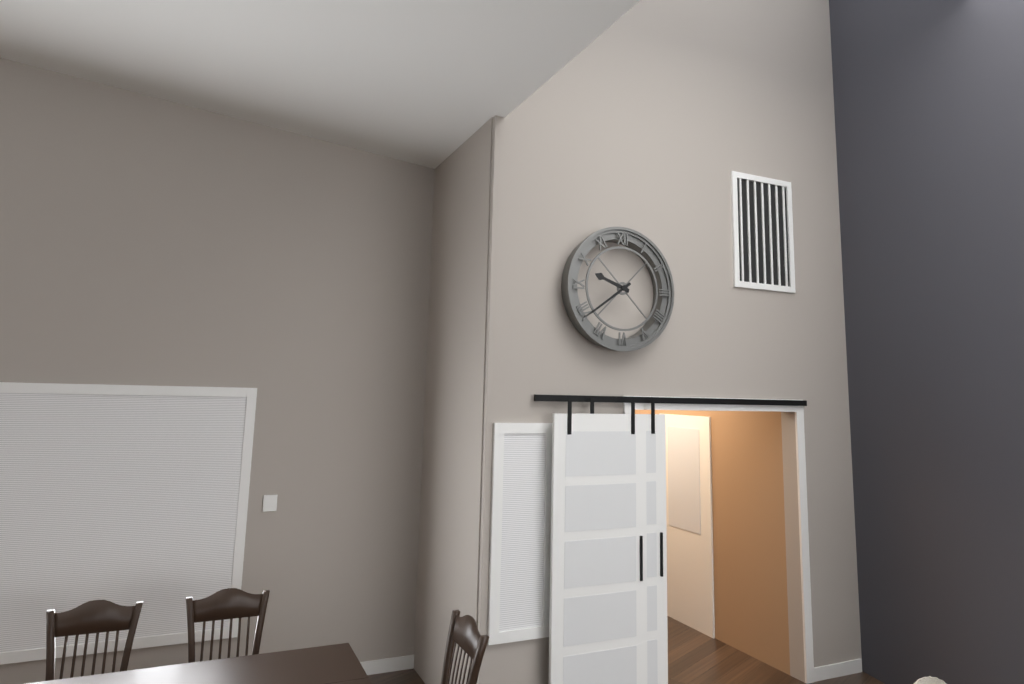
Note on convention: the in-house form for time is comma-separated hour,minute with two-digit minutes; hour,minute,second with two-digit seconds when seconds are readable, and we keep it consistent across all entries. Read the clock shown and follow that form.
9,39
